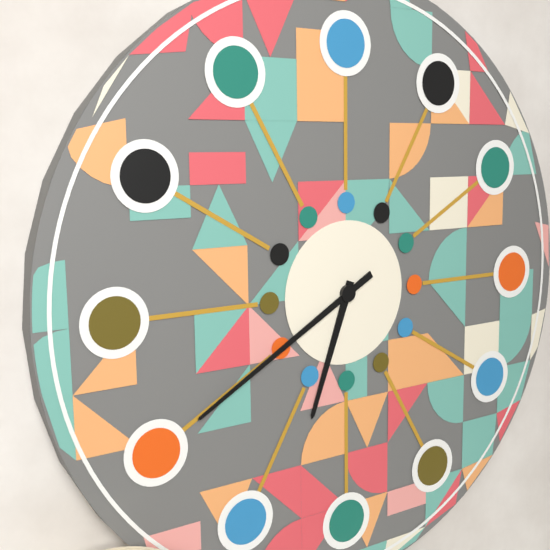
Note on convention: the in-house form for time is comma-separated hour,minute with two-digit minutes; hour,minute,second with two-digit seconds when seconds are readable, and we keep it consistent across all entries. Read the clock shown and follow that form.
6,40
